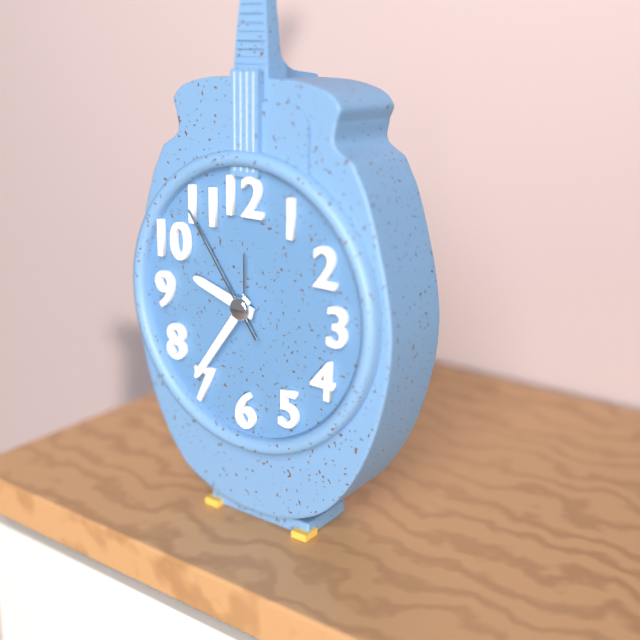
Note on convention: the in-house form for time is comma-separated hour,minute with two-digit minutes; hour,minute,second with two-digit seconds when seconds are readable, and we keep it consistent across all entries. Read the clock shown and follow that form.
9,36,54
